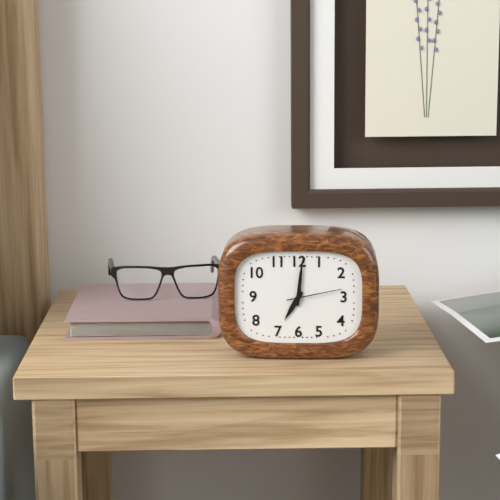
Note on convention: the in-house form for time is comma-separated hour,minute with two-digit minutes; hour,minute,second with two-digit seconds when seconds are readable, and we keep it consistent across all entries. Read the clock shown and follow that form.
7,01,13
